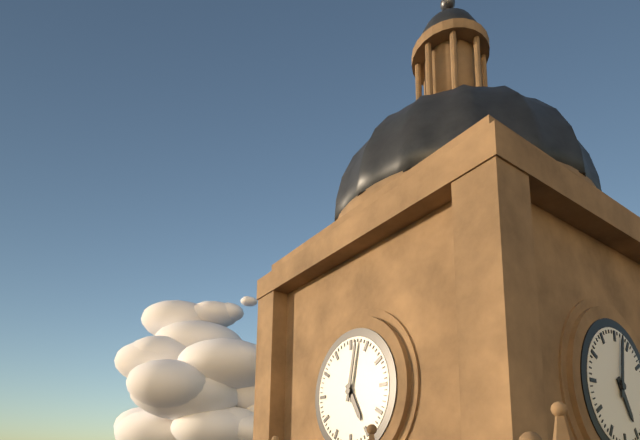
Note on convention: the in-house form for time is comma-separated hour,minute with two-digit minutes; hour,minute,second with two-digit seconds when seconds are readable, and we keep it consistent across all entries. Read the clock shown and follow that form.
5,02
